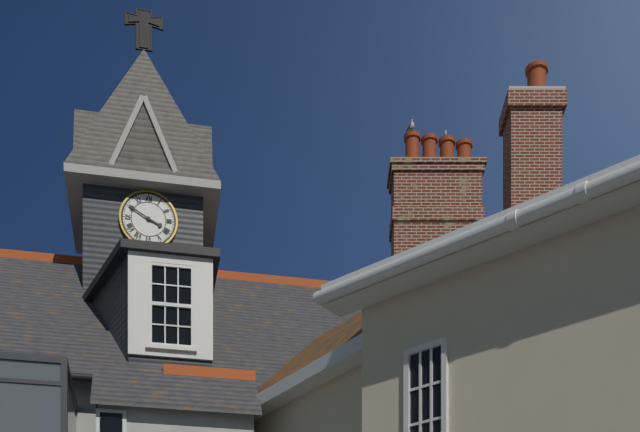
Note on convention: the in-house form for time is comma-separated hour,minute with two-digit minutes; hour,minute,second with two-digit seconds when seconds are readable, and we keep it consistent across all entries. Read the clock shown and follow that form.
3,50
